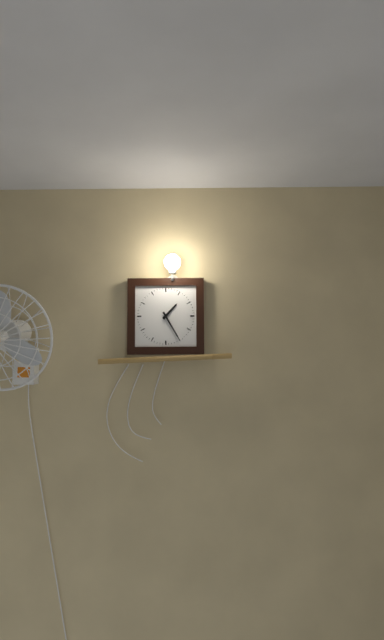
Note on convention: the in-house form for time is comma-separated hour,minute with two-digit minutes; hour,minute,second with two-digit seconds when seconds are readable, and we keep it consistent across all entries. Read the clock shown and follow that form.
1,25
